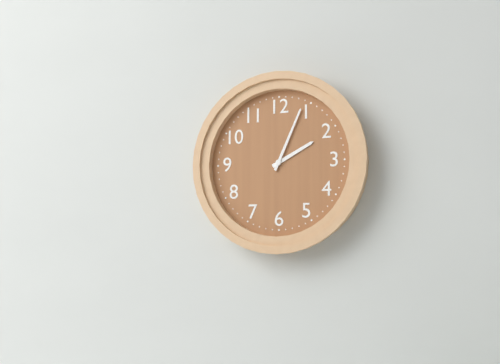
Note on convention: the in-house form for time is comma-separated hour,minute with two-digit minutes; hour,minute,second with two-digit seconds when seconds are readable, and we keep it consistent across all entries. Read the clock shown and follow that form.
2,04
